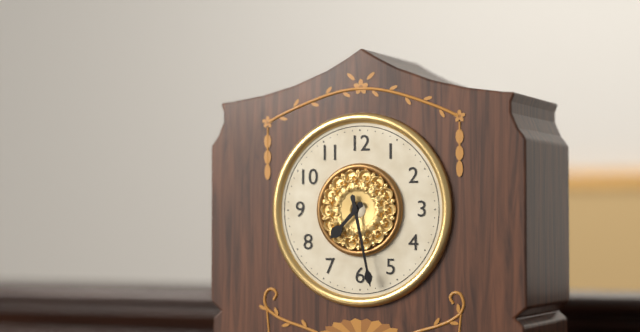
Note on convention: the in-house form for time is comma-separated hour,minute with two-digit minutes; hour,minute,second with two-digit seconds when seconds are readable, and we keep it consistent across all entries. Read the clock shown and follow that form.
7,28
